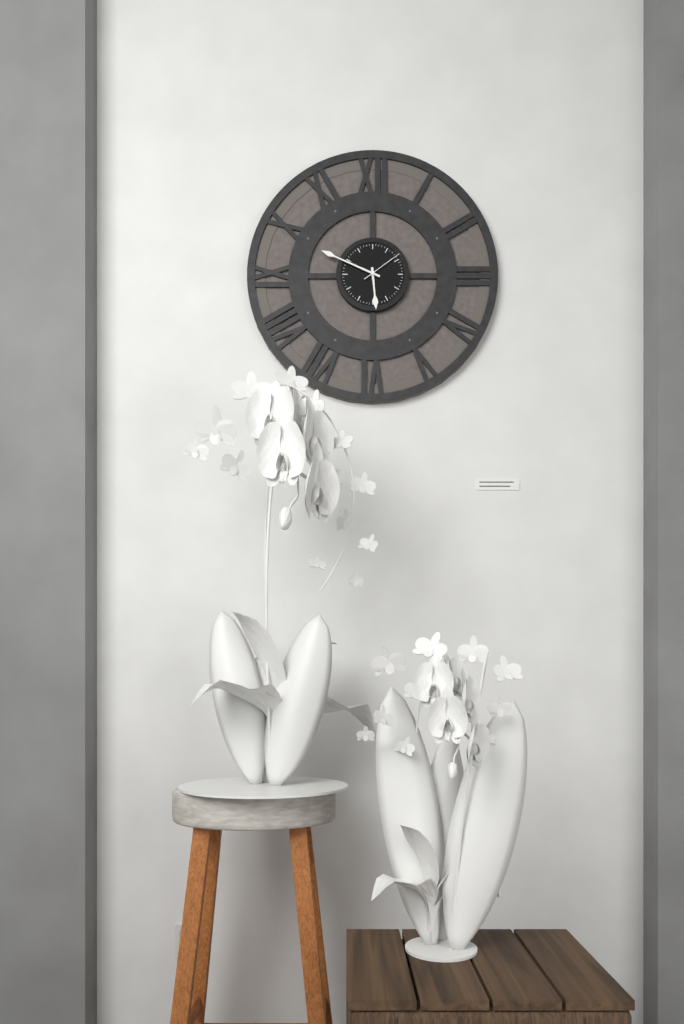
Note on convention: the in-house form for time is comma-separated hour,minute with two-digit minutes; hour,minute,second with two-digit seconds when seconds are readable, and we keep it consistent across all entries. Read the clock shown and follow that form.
5,49
